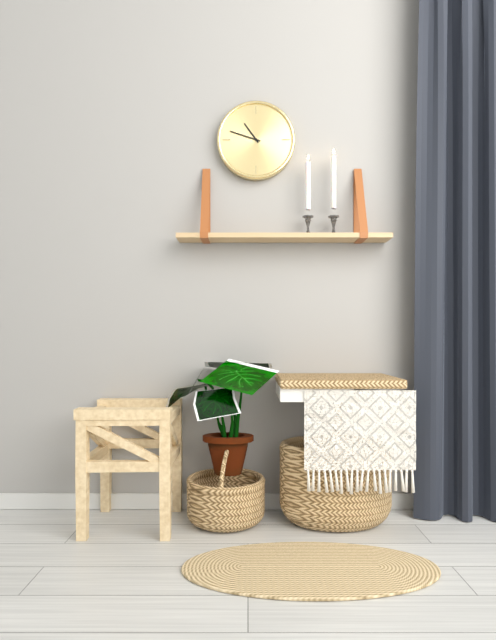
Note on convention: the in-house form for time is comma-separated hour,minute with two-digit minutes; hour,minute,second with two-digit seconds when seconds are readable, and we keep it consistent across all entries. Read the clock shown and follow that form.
10,48
